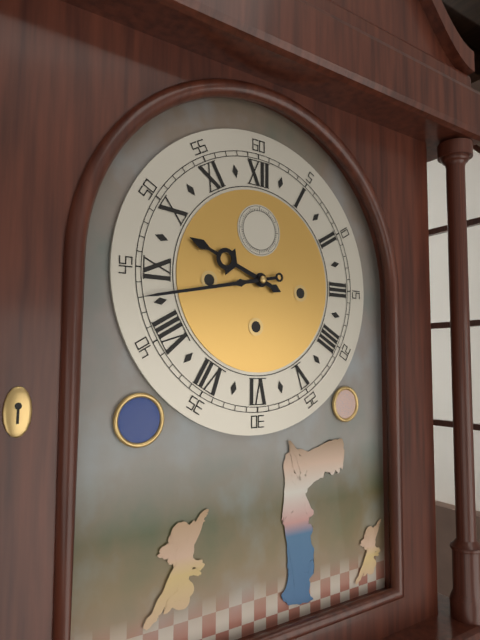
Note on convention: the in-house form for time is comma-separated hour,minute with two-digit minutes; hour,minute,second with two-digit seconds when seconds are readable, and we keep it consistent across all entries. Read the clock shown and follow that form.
9,43
